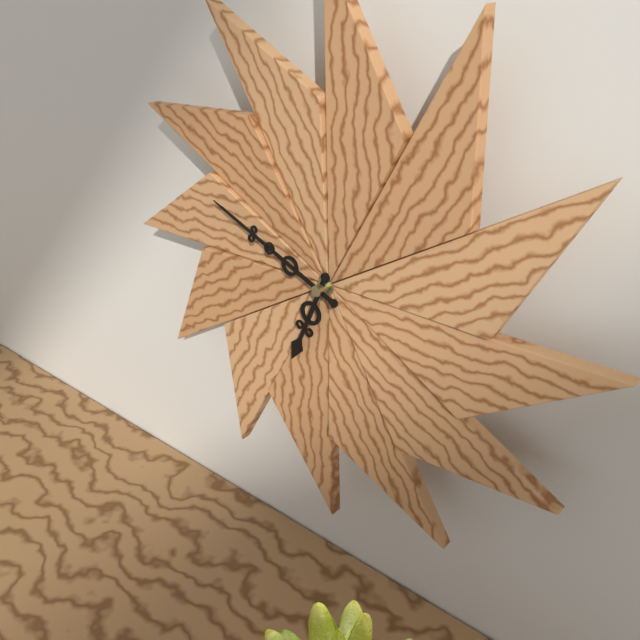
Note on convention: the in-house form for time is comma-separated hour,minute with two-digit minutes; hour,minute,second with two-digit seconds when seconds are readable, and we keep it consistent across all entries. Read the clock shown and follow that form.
6,49
